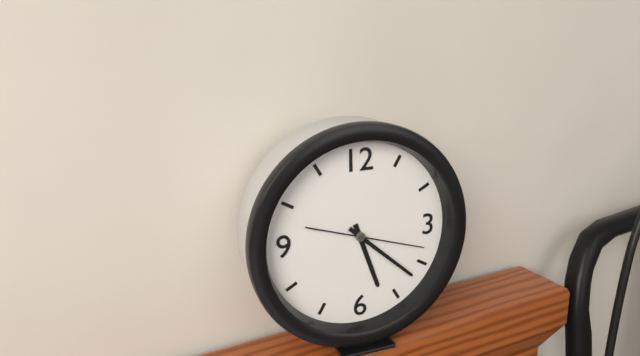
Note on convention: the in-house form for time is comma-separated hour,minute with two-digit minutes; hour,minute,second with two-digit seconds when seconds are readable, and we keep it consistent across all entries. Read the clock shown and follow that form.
5,22,18
